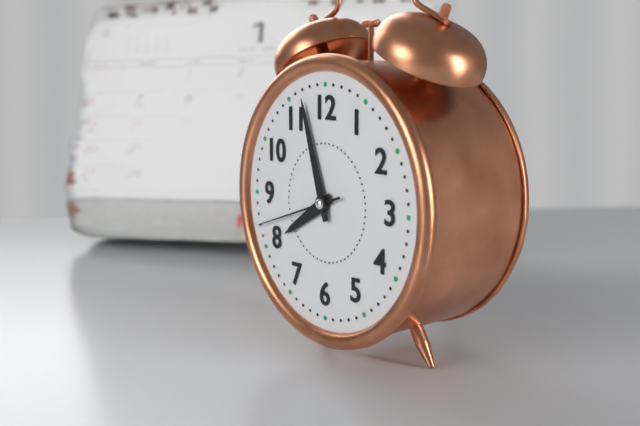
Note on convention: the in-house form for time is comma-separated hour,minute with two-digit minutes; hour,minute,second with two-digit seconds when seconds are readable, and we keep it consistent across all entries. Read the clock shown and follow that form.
7,57,42
